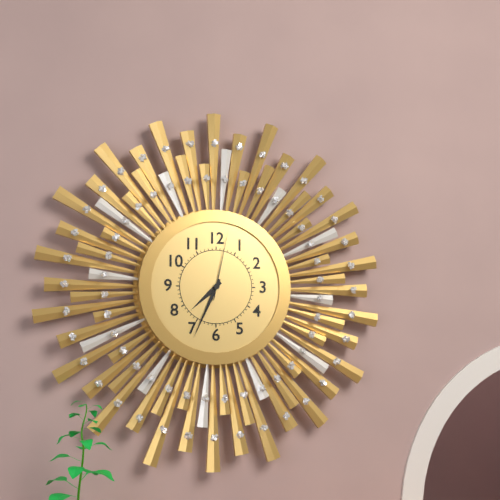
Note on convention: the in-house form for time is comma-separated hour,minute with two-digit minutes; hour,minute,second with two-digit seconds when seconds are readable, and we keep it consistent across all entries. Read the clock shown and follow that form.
7,34,02
